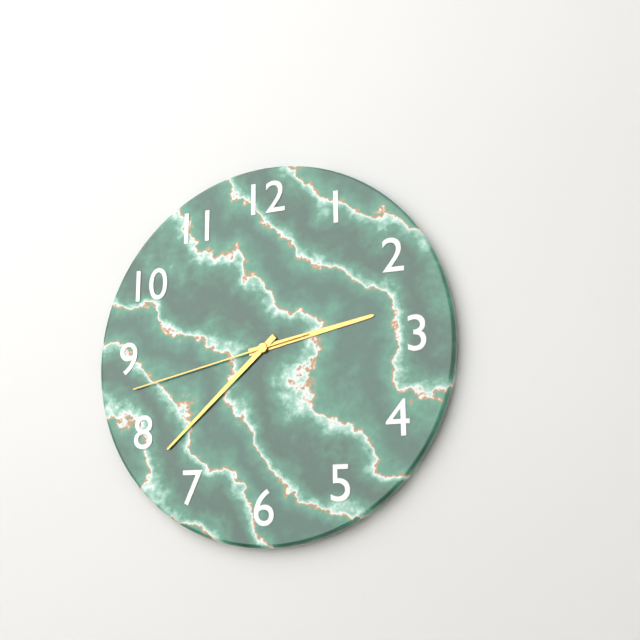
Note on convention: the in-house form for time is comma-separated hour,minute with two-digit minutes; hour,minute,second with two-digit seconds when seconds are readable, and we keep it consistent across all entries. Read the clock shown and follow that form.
2,38,43
